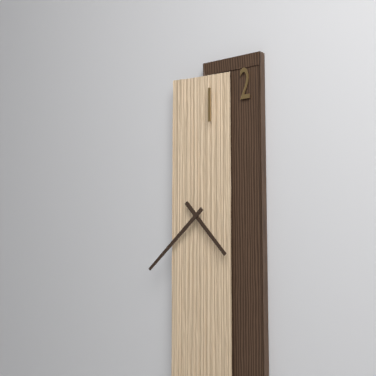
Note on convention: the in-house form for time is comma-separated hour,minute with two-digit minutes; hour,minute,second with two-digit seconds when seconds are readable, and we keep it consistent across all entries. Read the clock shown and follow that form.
4,38
